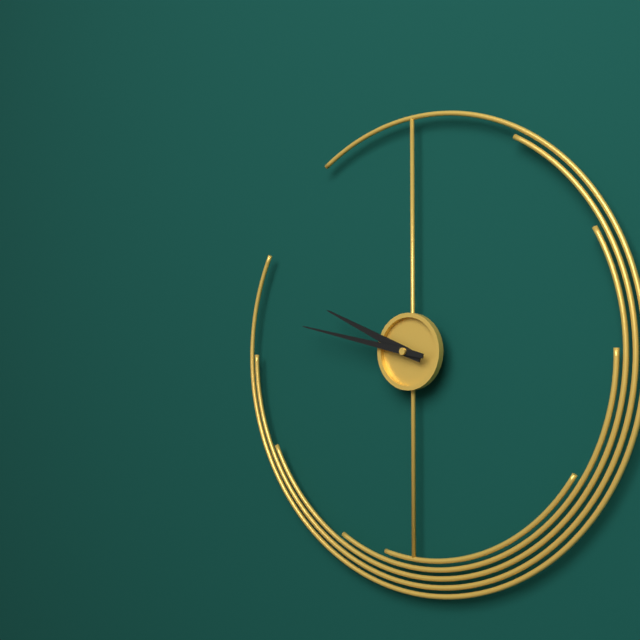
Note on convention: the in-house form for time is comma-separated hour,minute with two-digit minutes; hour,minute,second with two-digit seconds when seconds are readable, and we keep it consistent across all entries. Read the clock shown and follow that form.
9,47
